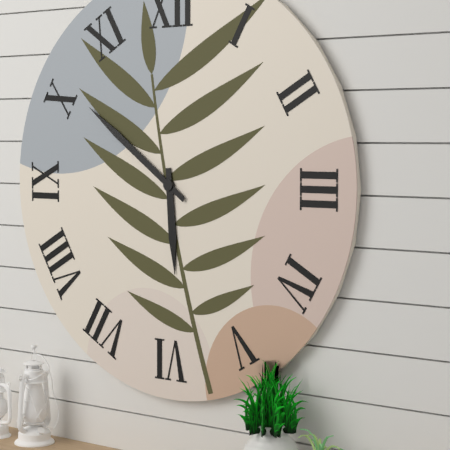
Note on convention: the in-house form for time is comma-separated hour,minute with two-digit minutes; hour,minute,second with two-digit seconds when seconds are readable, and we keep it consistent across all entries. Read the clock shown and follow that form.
5,51
